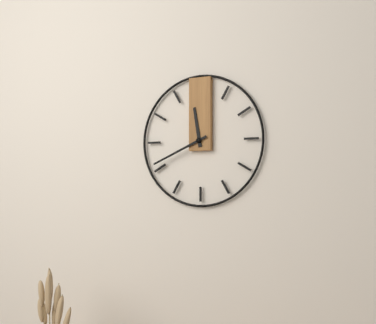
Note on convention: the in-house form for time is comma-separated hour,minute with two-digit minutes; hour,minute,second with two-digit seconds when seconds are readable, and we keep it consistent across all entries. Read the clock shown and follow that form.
11,41
